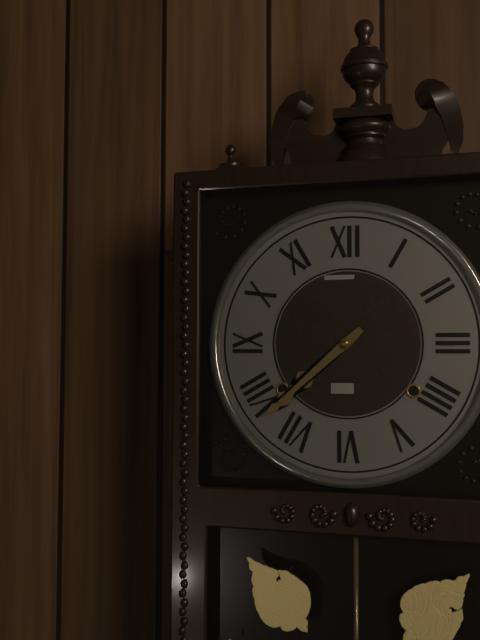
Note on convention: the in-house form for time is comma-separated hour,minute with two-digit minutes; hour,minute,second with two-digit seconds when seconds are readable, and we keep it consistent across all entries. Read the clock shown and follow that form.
7,38
